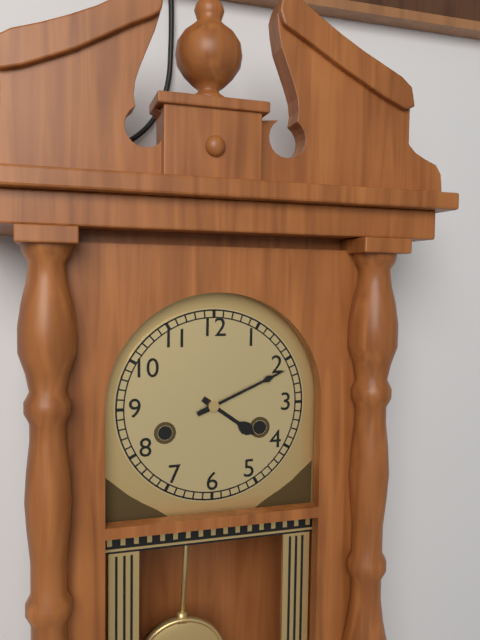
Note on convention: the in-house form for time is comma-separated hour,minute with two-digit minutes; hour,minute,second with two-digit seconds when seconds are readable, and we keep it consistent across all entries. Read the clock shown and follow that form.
4,11
